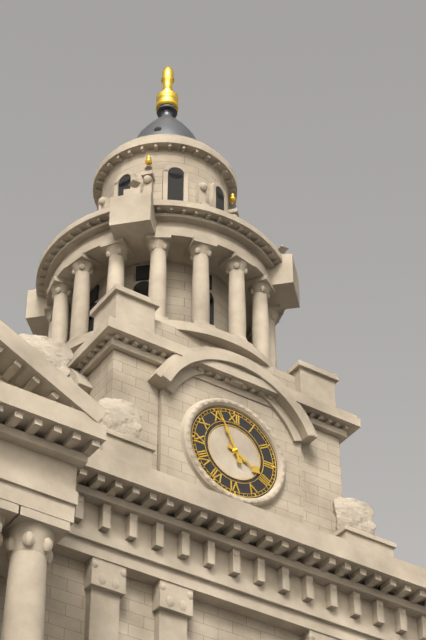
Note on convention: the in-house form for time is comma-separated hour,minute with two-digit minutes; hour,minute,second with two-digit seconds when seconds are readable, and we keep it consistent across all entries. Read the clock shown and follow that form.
3,56
